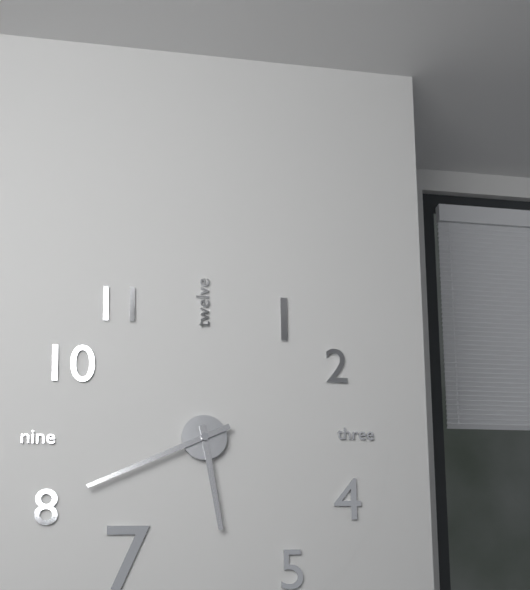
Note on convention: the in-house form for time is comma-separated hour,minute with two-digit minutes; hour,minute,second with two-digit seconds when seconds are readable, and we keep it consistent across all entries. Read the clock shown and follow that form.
5,41
